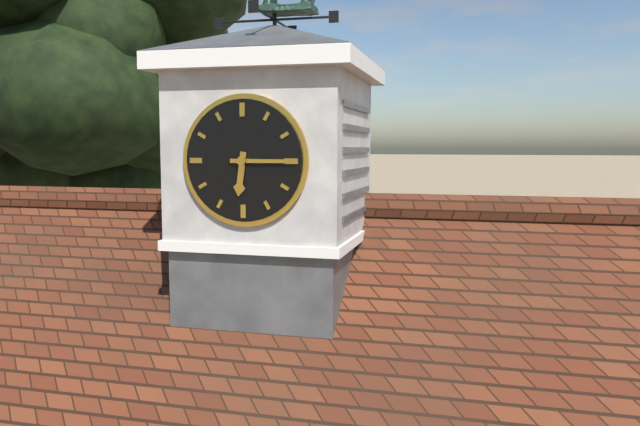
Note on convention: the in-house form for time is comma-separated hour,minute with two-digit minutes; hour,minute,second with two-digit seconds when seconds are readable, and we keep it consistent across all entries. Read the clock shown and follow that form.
6,15
